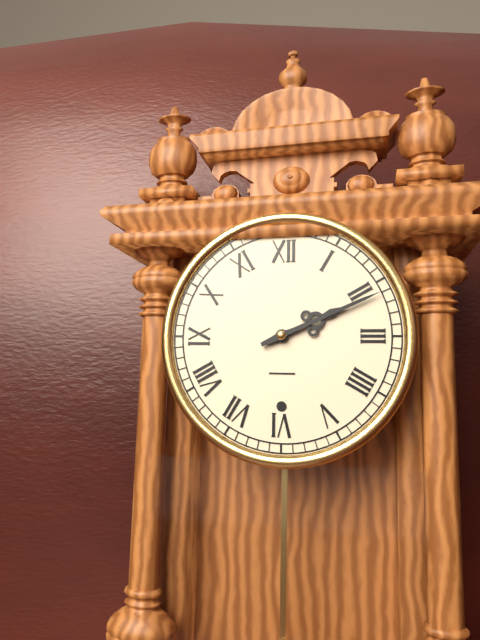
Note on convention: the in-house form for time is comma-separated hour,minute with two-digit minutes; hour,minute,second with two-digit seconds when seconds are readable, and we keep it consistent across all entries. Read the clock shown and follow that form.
2,11
